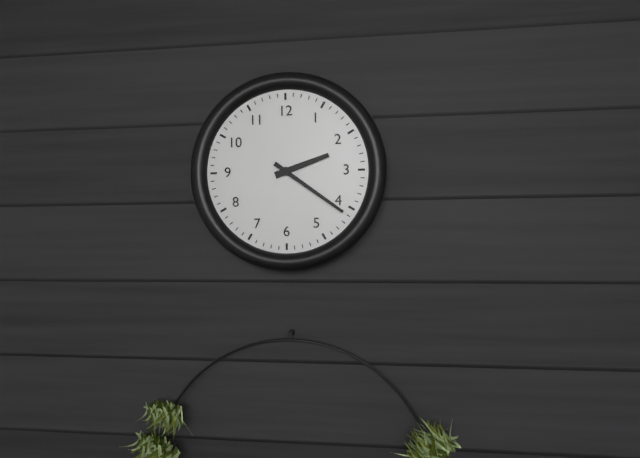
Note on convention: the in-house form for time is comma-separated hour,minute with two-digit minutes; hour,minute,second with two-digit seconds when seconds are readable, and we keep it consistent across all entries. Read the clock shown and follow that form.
2,21
